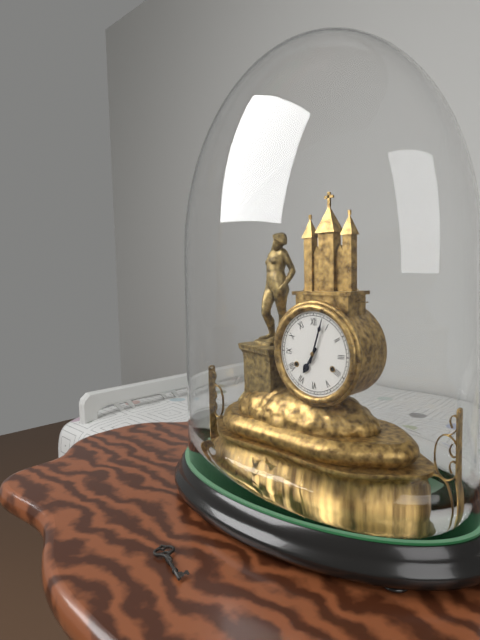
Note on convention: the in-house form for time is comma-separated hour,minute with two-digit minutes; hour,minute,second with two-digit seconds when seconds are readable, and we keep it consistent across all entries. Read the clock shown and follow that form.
7,03
